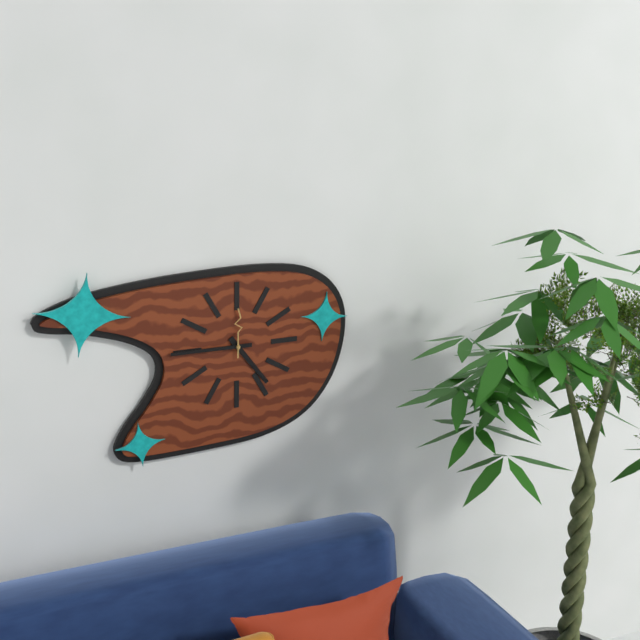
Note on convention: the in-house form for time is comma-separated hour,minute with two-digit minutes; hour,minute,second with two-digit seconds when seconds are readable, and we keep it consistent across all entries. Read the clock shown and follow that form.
4,45
